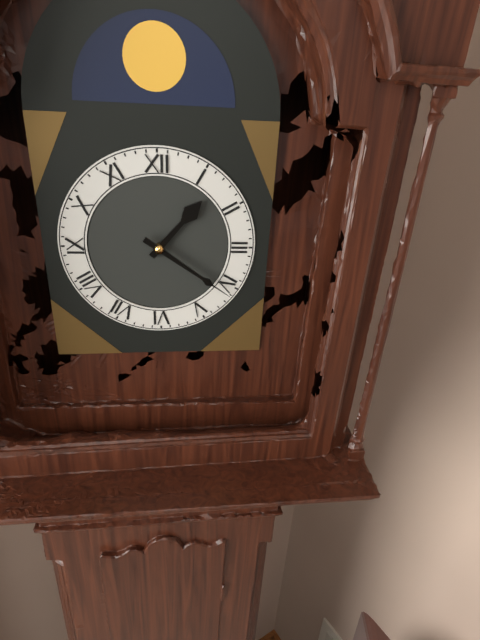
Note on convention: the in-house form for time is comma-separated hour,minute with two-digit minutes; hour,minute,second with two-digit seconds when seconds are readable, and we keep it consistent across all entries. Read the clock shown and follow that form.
1,21
